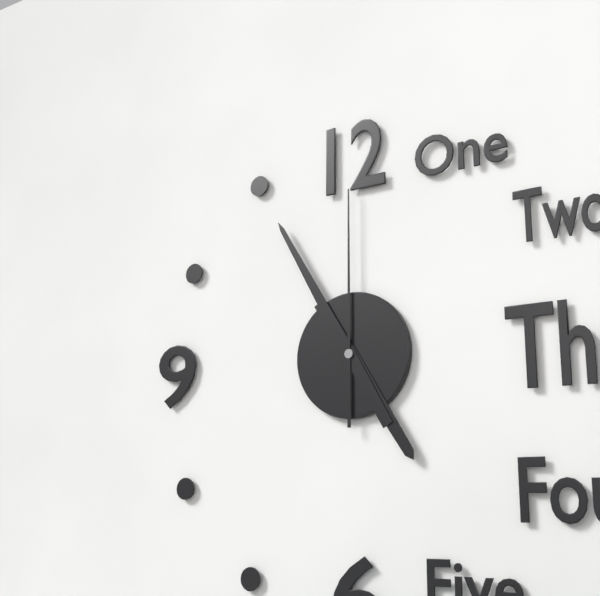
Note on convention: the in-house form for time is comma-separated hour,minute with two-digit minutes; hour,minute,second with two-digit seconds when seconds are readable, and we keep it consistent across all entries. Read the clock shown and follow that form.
4,55,00
